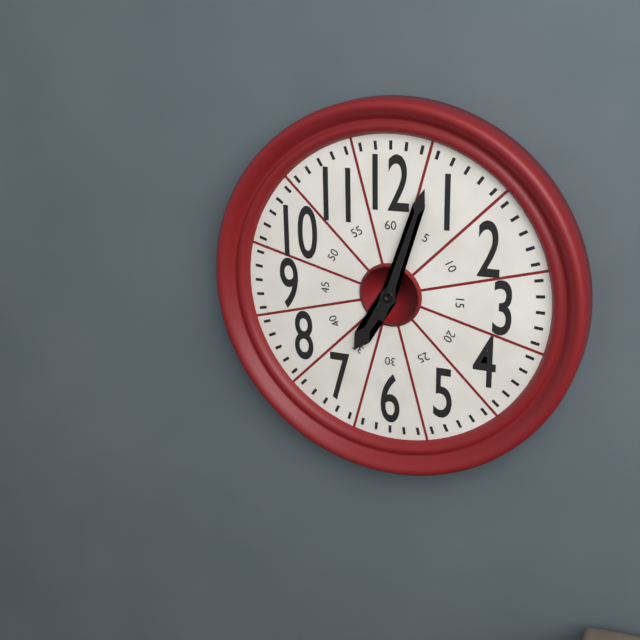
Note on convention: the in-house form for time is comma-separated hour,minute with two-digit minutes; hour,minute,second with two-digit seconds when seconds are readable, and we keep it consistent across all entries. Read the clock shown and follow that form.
7,03
